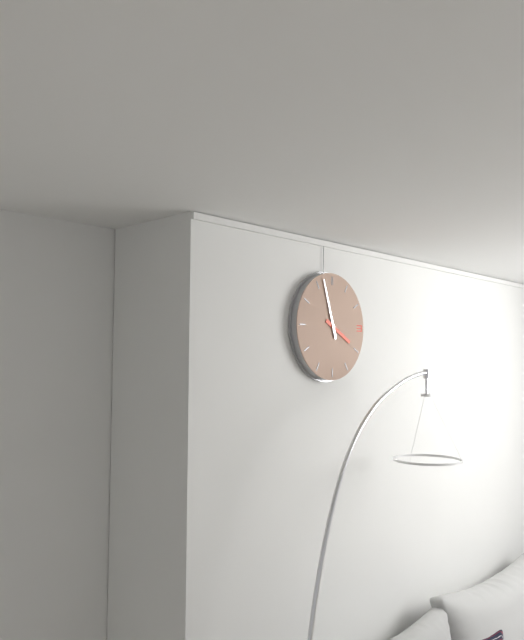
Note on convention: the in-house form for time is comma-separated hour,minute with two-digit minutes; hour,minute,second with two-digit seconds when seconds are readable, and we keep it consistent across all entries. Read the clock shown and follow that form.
3,57
